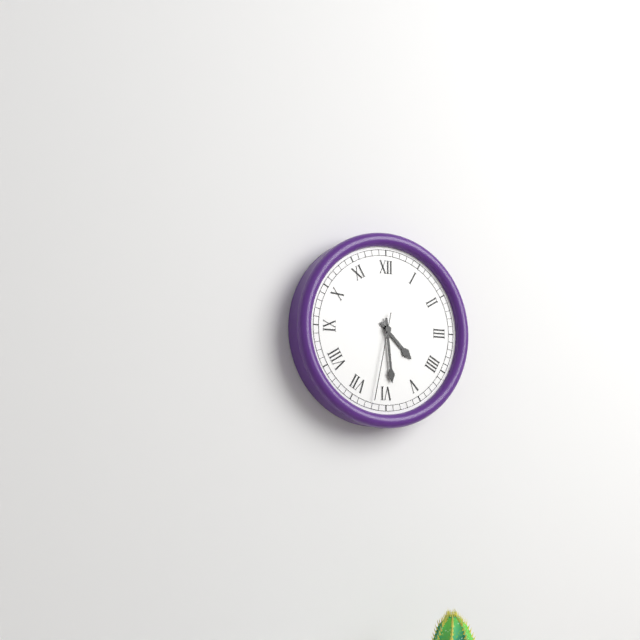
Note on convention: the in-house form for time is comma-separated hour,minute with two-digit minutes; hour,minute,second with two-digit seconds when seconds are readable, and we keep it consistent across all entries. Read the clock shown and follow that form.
4,29,32
